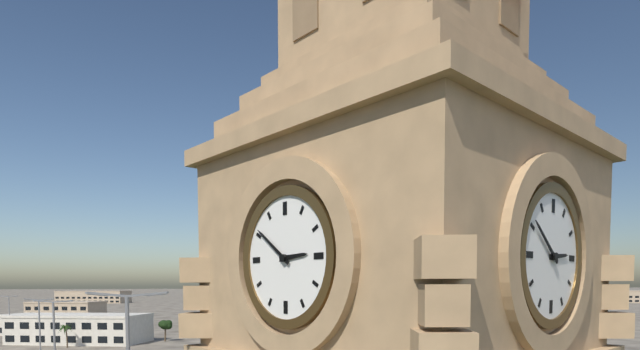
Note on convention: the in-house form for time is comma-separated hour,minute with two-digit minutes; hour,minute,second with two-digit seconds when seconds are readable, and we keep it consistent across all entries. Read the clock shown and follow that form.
2,51
